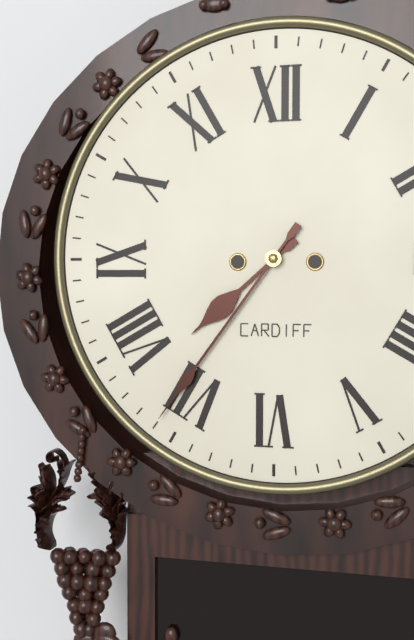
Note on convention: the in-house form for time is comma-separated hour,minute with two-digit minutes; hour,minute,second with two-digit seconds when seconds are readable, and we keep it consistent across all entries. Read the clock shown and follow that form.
7,36
